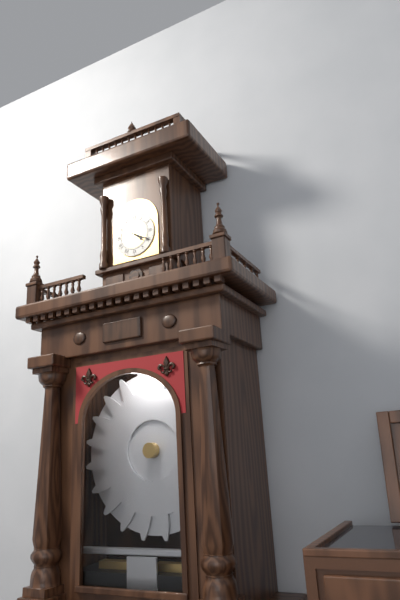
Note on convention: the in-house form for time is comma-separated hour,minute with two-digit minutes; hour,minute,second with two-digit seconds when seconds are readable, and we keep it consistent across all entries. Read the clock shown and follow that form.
4,20
